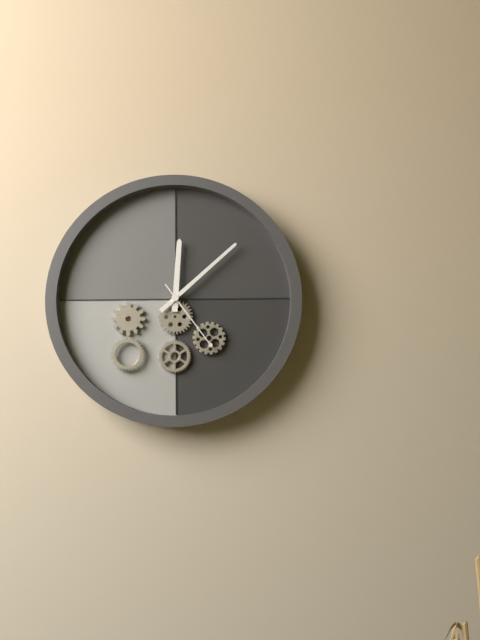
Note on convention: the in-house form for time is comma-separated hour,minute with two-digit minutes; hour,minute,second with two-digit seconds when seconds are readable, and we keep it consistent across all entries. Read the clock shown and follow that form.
12,08,24
